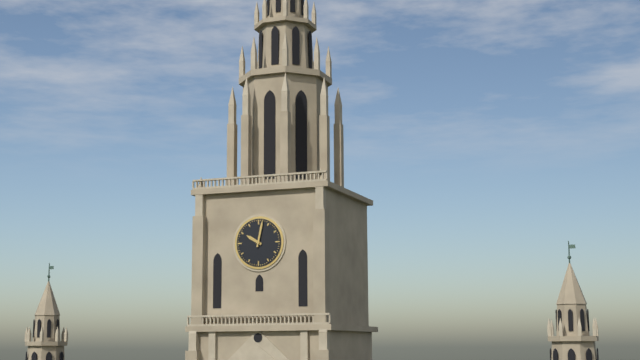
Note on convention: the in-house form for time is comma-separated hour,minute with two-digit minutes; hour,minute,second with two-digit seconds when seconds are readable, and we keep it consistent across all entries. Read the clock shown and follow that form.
10,02
